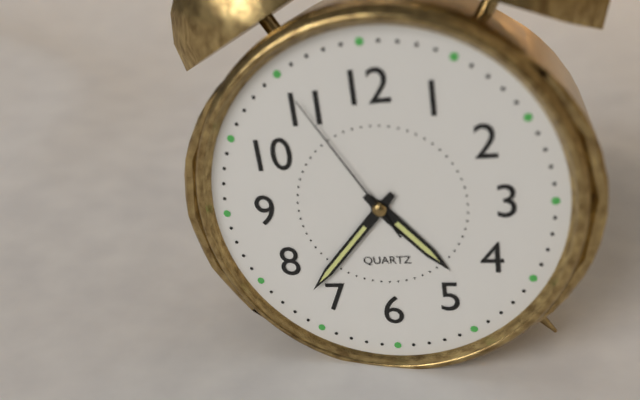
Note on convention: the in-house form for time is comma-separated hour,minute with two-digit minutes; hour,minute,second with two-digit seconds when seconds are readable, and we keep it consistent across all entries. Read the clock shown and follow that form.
4,37,55
